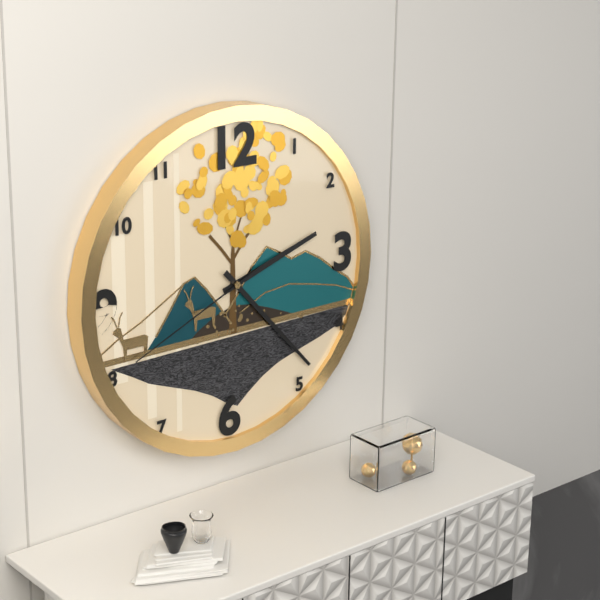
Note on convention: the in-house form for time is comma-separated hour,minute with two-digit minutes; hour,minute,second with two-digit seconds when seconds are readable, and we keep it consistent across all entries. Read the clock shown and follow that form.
2,23,41
